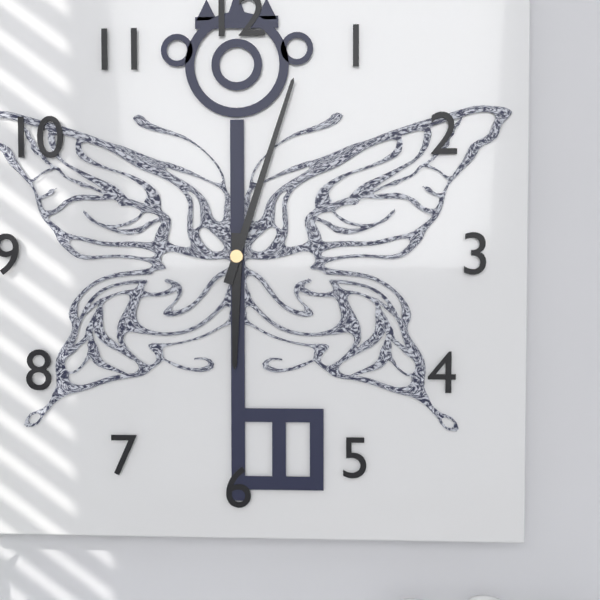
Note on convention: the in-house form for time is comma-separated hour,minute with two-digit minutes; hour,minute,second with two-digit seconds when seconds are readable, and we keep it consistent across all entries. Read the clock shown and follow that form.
6,03
